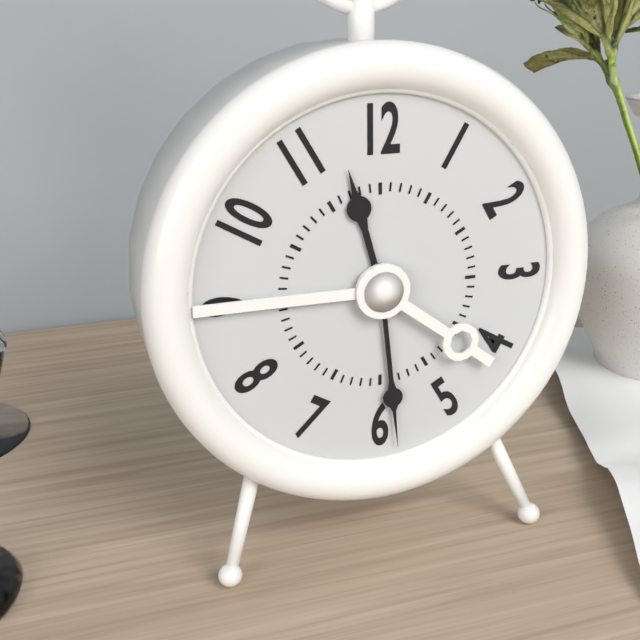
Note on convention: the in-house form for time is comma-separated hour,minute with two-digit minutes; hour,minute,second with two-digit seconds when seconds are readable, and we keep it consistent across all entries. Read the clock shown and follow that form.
11,29
